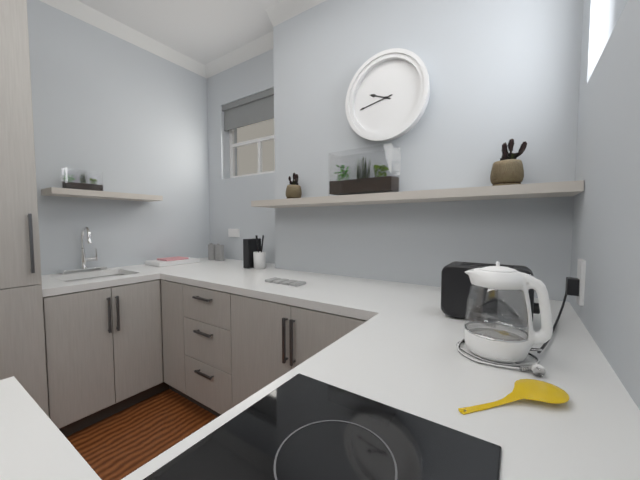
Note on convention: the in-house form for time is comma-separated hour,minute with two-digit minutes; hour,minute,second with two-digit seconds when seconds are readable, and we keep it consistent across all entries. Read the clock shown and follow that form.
9,43
